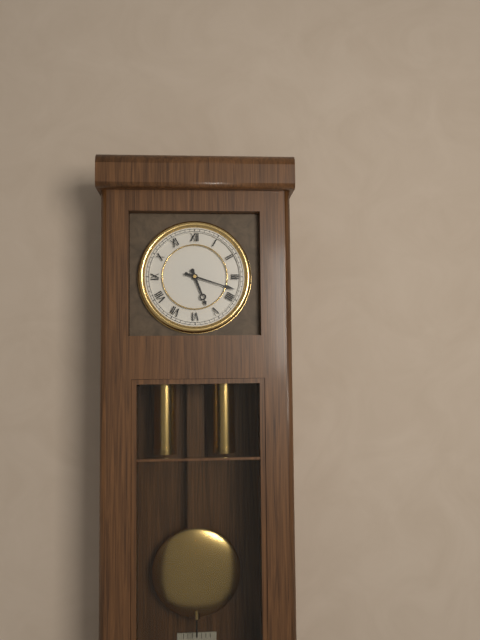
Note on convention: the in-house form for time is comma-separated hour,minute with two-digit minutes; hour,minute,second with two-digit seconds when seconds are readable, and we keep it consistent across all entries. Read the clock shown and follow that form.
5,18
